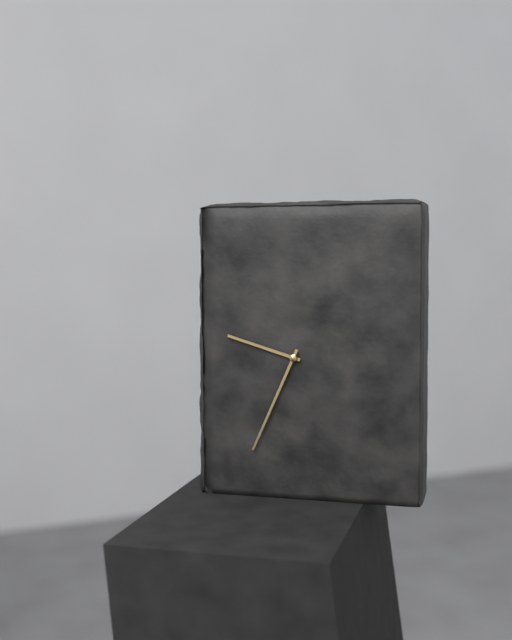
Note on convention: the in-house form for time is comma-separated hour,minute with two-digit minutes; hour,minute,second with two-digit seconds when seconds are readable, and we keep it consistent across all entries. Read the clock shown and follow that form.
9,34
